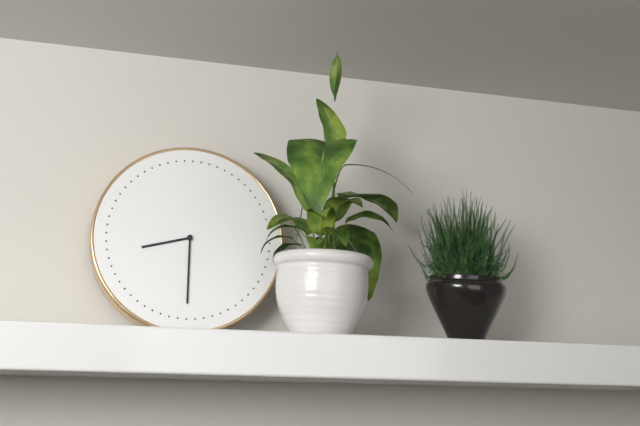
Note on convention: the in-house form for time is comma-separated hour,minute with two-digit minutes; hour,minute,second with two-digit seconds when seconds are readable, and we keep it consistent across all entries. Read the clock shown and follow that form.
8,30
